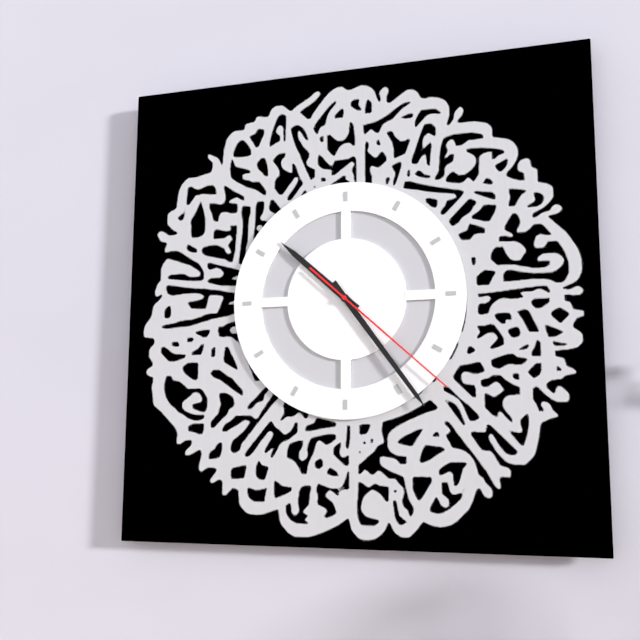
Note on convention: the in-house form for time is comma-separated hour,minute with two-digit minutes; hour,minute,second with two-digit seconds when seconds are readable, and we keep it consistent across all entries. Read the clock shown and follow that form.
10,24,22
